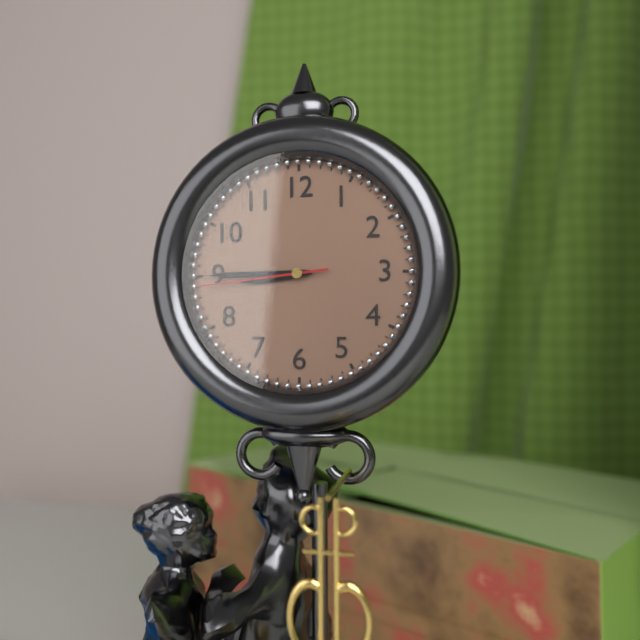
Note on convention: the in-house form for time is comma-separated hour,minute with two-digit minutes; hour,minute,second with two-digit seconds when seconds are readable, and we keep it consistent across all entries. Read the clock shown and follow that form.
8,45,44
